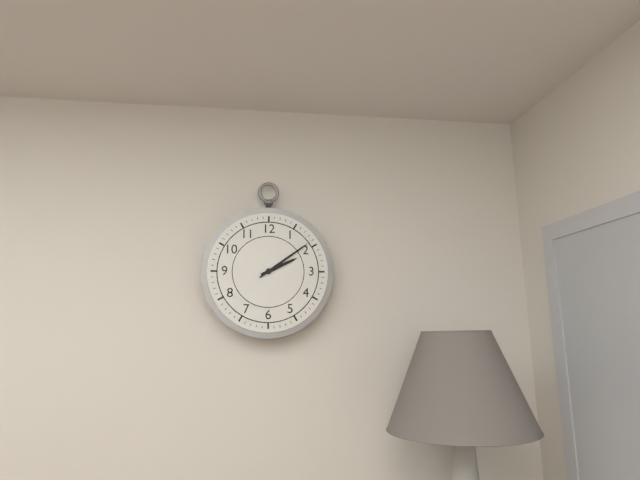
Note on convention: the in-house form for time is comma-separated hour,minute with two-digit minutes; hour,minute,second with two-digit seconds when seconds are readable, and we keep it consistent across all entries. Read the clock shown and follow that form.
2,09
